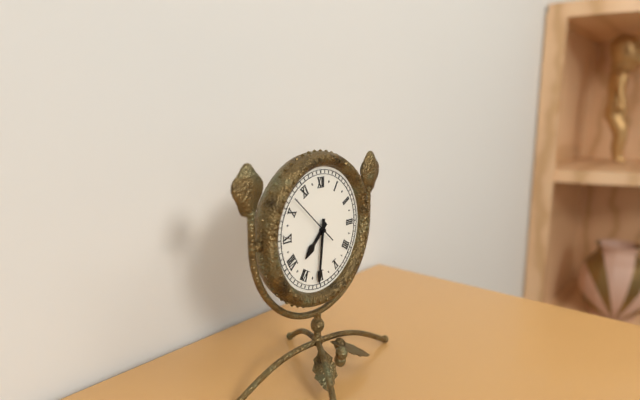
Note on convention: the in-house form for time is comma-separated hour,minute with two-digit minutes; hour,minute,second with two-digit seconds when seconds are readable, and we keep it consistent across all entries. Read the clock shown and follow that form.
7,31
